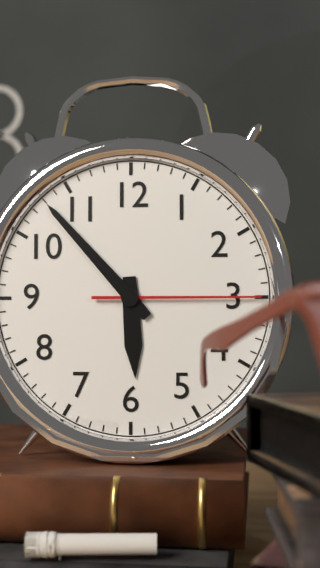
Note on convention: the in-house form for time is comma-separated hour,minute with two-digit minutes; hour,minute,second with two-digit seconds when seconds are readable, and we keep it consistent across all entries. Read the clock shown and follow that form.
5,53,15
